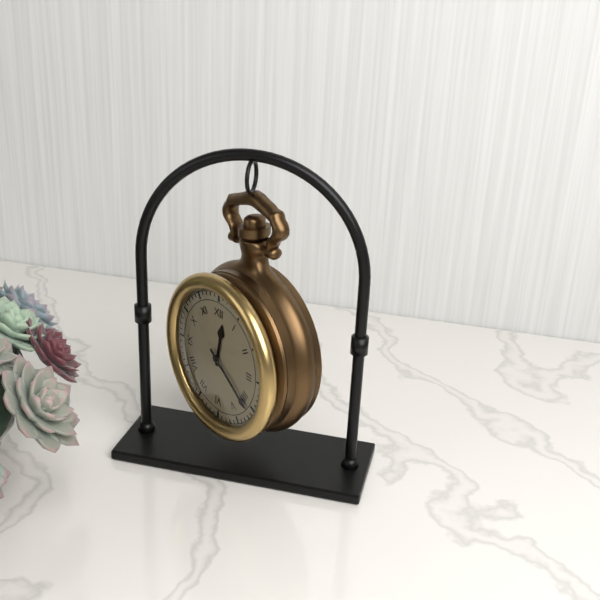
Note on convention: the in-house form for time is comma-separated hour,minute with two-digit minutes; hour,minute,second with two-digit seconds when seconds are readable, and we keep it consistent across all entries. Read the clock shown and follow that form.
12,21
